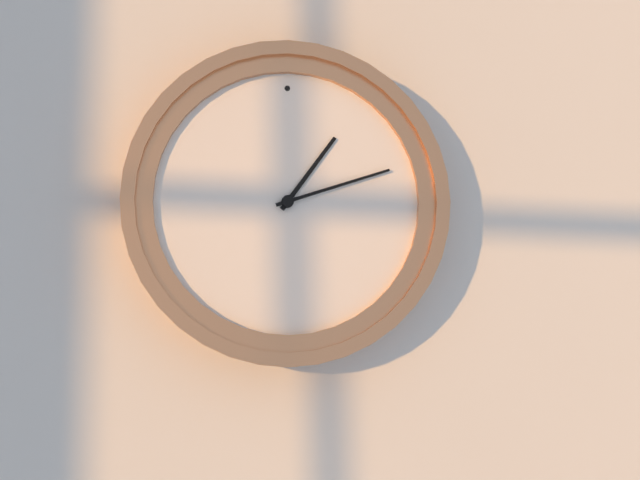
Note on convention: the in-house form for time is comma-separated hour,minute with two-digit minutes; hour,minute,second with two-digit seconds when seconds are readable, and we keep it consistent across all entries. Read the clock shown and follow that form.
1,12
